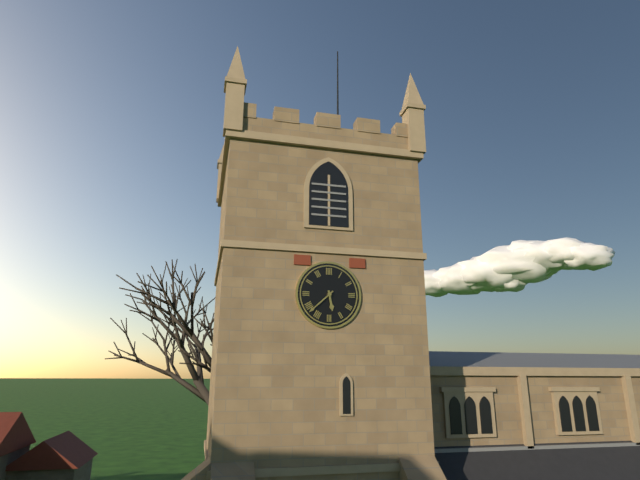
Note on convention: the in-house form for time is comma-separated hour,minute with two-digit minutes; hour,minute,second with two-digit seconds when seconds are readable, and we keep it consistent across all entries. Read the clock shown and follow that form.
5,38
